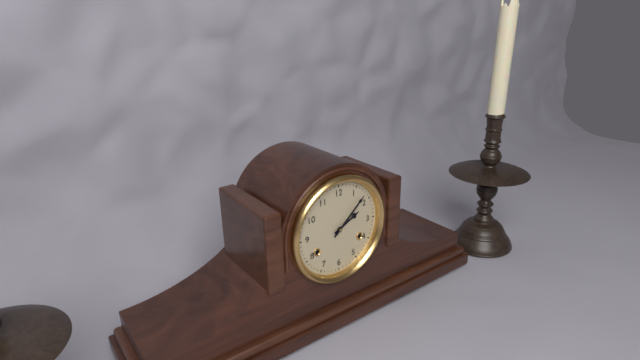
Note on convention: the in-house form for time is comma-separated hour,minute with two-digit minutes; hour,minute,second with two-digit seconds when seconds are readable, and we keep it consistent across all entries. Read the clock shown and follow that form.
2,08
